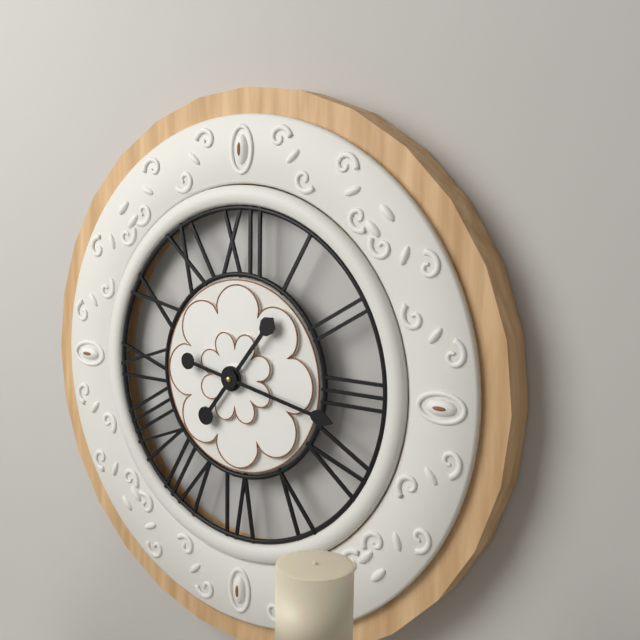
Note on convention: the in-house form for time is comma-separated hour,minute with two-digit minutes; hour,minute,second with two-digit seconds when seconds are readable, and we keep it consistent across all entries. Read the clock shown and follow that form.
1,17
